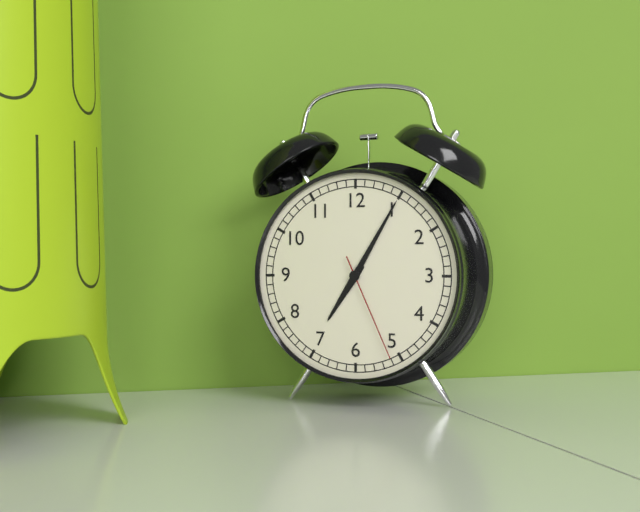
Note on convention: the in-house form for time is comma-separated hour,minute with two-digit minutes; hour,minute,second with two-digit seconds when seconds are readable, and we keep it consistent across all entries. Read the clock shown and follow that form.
7,05,26
